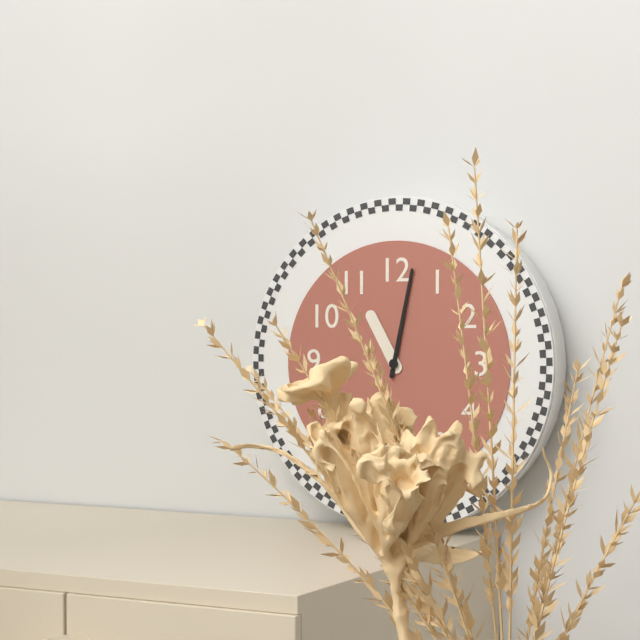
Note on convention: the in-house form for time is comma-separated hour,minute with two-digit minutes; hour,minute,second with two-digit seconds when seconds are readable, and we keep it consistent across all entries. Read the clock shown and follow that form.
11,02
